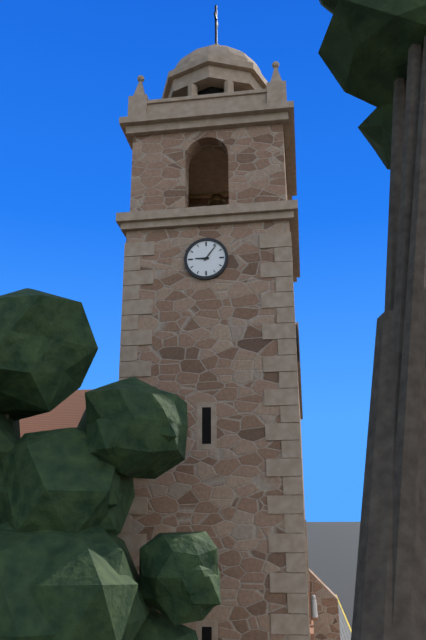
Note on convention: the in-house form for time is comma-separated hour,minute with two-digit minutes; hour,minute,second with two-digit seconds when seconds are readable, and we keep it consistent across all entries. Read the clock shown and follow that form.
9,06
